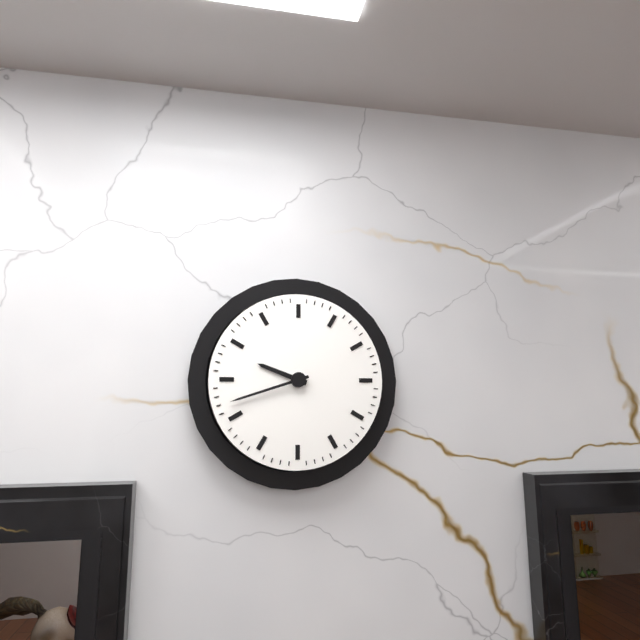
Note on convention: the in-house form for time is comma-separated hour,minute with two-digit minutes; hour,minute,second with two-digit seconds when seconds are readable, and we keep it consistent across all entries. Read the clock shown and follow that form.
9,42
